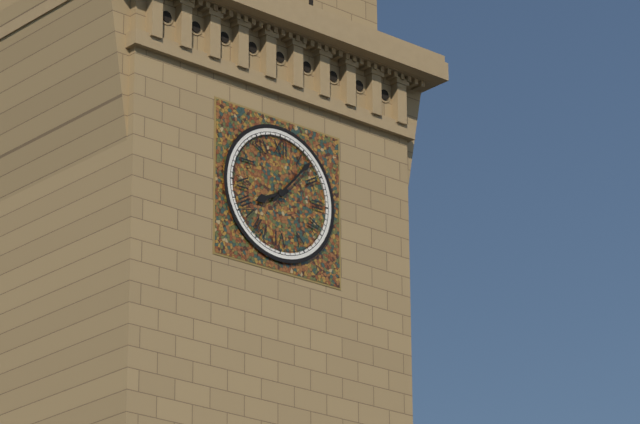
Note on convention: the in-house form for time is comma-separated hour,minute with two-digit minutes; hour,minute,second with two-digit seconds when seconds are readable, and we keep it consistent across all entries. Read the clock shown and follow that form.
8,07
